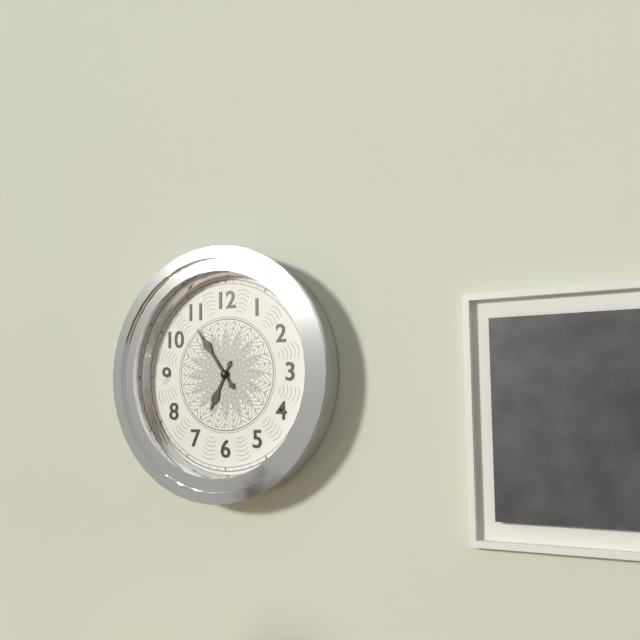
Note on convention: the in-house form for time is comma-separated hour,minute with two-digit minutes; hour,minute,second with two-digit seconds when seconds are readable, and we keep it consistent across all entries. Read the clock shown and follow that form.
6,54
